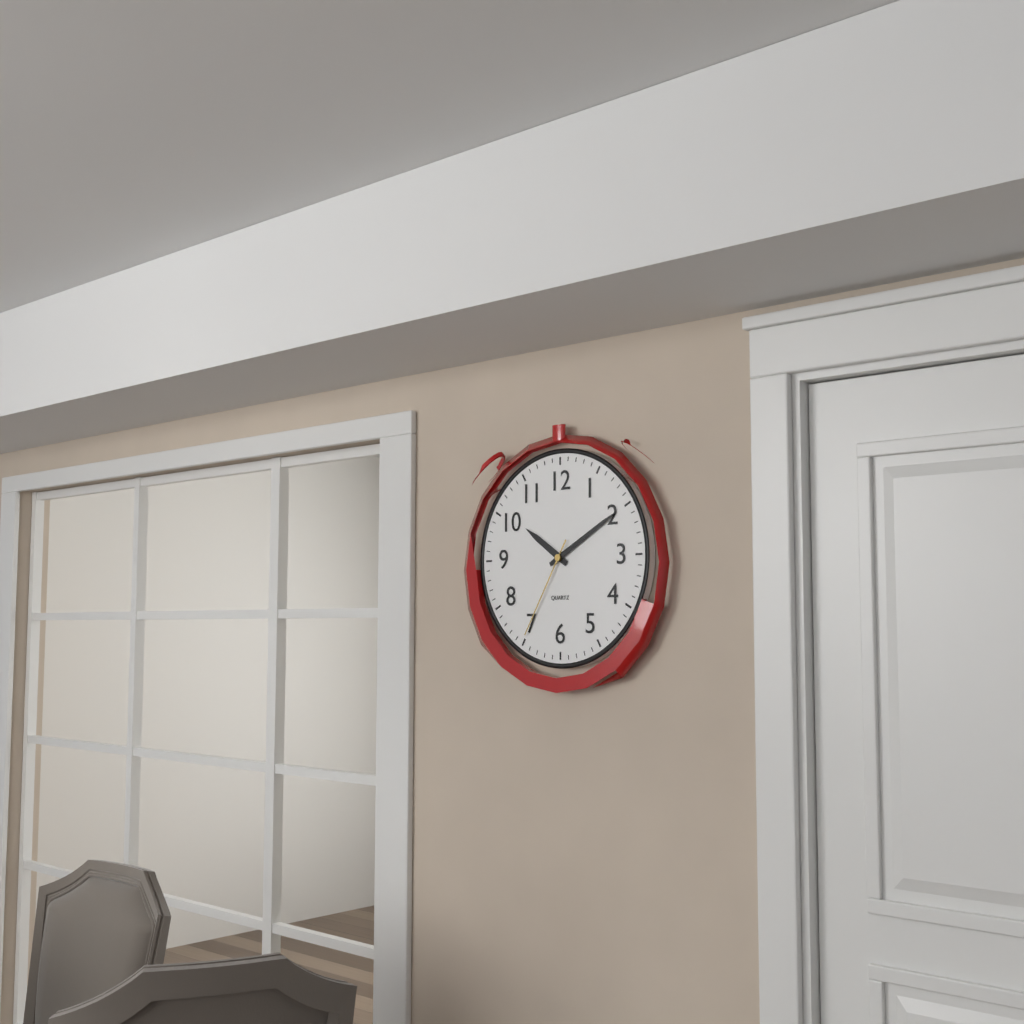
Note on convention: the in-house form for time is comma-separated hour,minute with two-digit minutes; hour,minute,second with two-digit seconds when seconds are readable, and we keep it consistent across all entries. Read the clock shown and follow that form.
10,10,35
